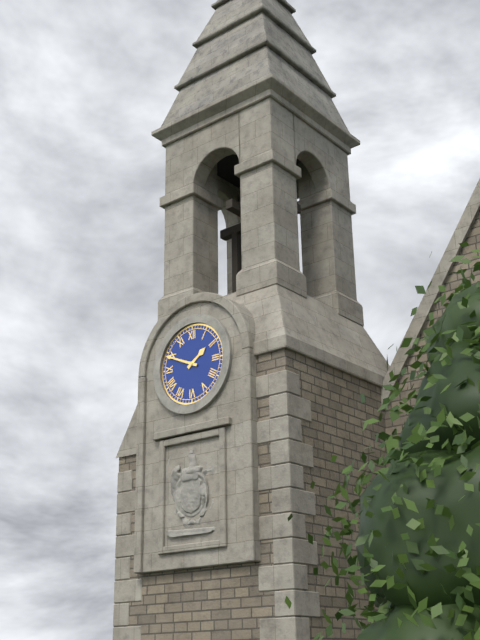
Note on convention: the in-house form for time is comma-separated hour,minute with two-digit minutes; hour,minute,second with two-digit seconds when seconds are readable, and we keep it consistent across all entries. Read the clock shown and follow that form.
1,49
